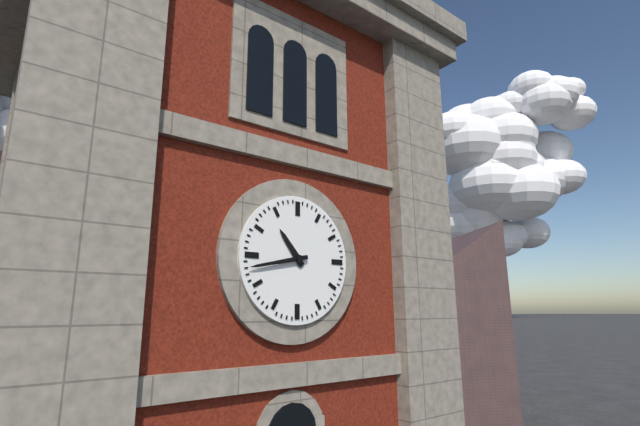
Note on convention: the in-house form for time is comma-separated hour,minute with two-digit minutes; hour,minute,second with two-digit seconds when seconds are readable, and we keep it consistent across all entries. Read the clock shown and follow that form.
10,43
